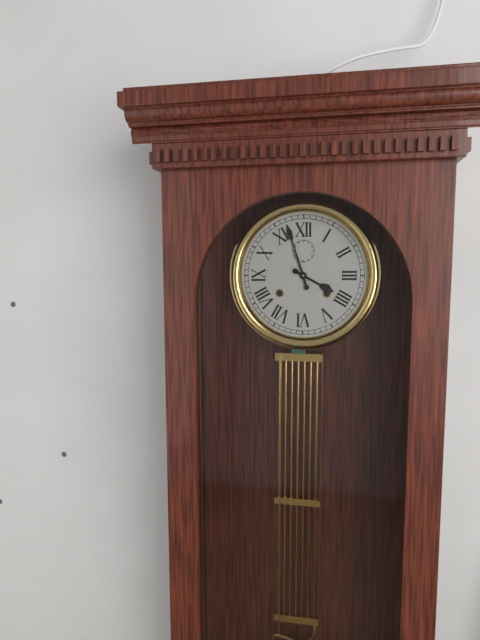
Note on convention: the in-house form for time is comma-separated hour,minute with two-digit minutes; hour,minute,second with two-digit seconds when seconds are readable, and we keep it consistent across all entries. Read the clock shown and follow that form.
3,57
